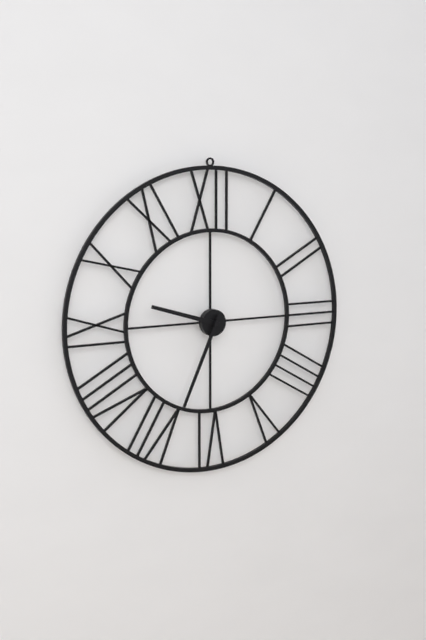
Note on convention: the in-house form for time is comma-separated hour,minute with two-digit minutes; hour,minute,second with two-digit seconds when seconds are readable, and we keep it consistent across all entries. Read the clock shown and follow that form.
9,34
